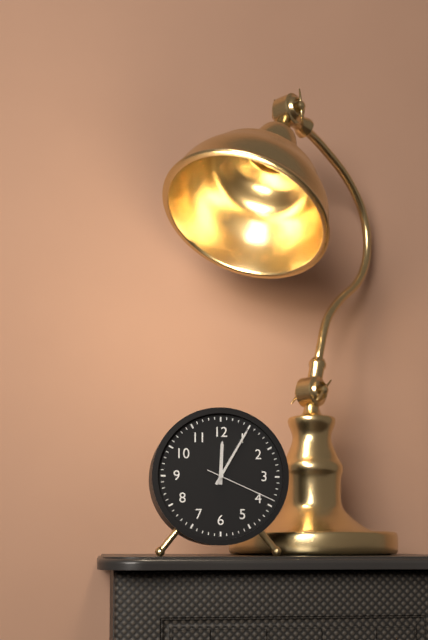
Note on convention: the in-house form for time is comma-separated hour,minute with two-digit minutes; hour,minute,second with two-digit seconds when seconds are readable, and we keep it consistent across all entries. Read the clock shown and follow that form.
12,05,19
